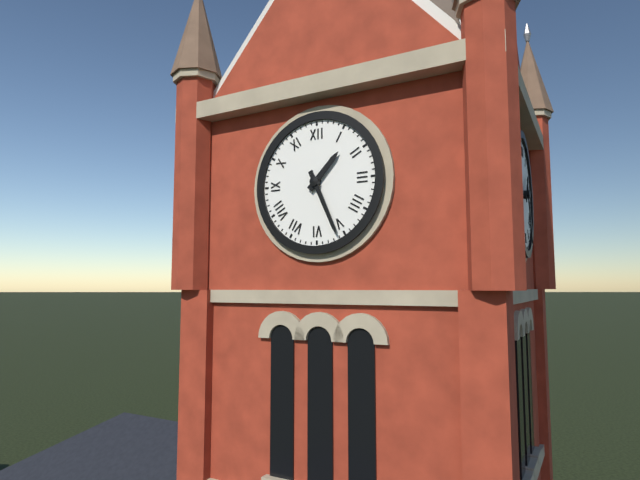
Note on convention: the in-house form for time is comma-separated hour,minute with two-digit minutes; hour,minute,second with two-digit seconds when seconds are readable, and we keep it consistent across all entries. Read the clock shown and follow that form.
1,26
